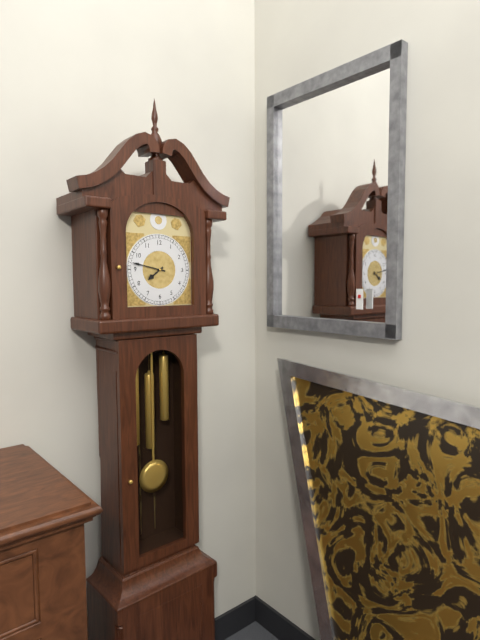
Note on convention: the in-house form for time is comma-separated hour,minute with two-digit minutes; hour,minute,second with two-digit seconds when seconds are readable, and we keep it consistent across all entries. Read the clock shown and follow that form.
7,47
